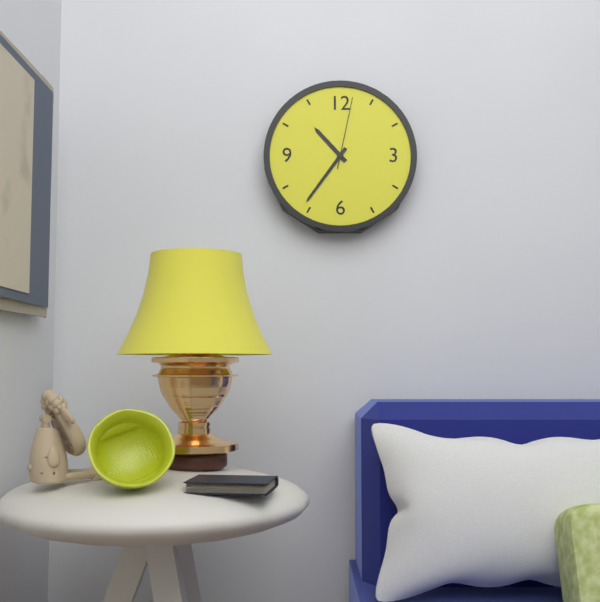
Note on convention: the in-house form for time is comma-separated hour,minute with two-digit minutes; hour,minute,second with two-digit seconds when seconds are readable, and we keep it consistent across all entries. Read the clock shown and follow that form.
10,36,02
